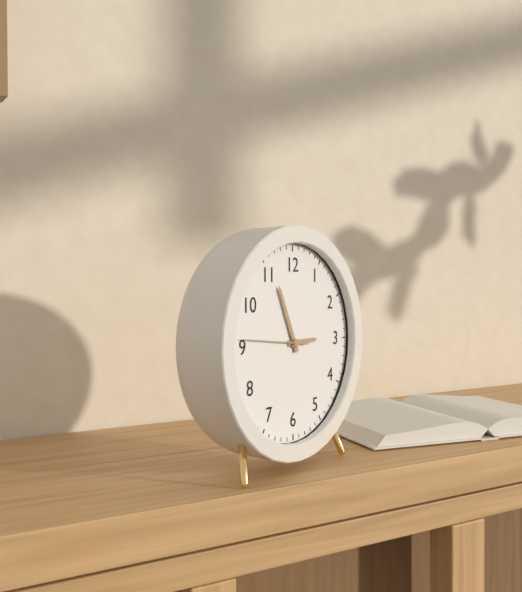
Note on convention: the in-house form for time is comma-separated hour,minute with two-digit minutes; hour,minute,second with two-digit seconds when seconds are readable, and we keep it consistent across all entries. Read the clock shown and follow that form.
2,56,46
